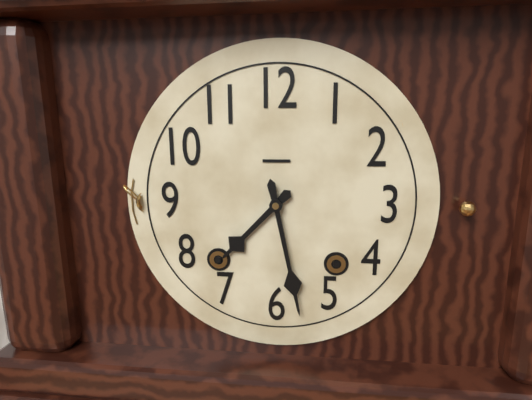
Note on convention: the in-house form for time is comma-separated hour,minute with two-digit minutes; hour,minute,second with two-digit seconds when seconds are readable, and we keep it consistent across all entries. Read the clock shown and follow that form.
7,28
